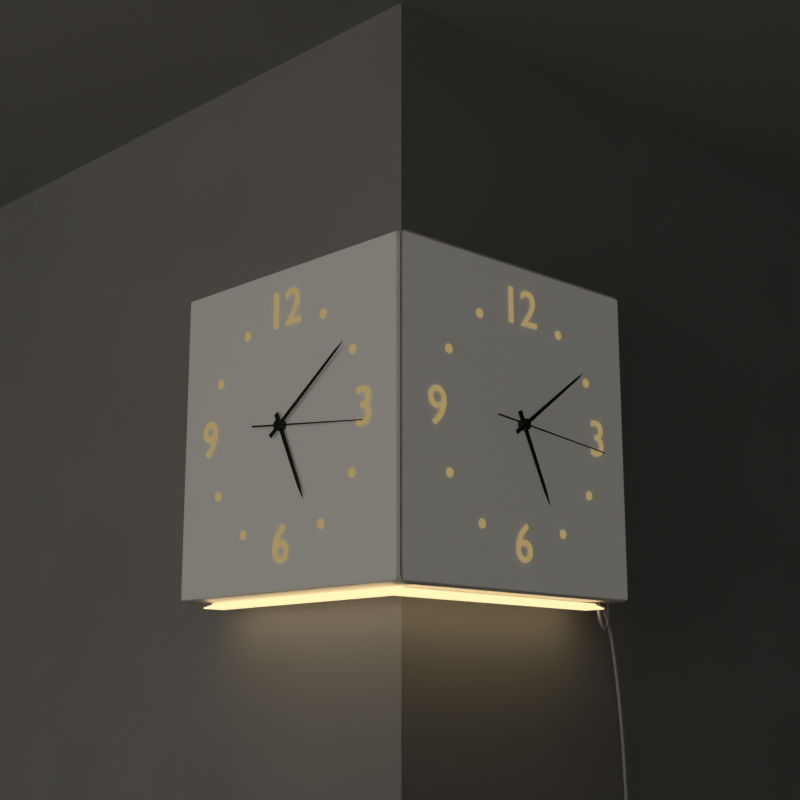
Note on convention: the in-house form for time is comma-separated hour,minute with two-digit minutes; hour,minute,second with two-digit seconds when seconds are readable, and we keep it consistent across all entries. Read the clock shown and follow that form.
5,09,16
